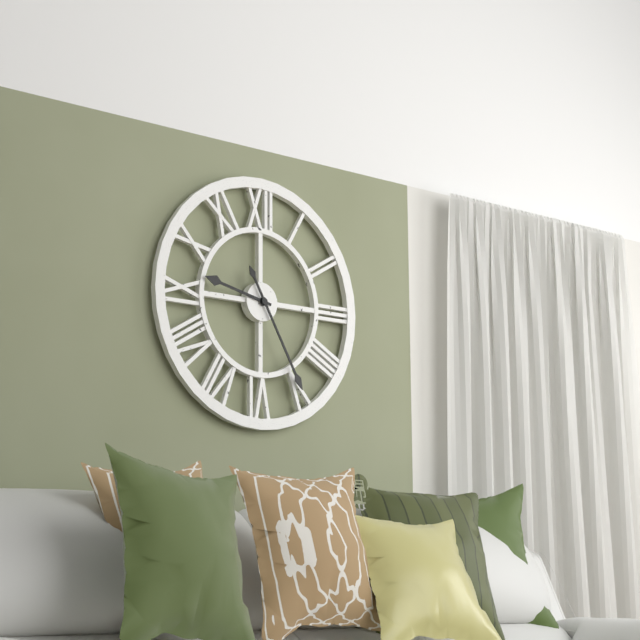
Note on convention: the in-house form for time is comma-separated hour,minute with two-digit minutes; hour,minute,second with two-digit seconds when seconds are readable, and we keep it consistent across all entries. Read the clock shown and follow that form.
9,25
